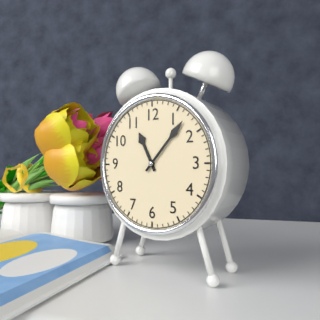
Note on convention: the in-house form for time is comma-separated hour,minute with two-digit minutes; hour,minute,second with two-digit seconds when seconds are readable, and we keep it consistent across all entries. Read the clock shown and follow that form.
11,07
